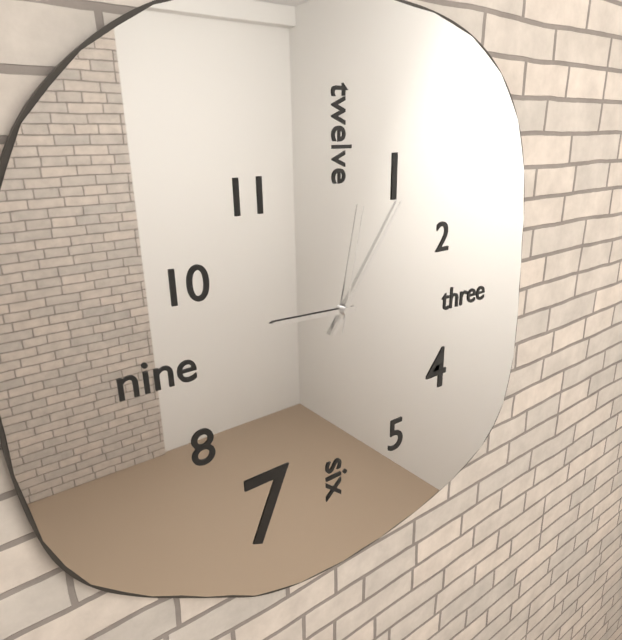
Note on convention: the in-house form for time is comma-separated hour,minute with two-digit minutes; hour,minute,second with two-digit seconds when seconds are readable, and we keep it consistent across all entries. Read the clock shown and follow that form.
9,06,02
